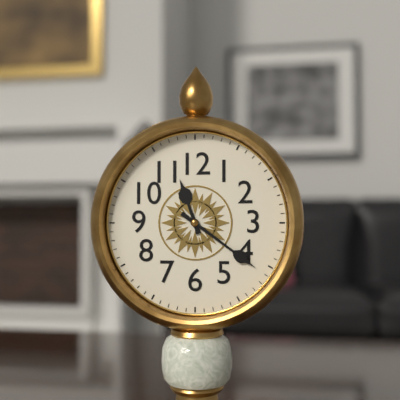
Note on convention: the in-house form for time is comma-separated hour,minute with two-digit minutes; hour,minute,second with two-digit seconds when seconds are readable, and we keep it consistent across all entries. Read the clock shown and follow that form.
11,21
